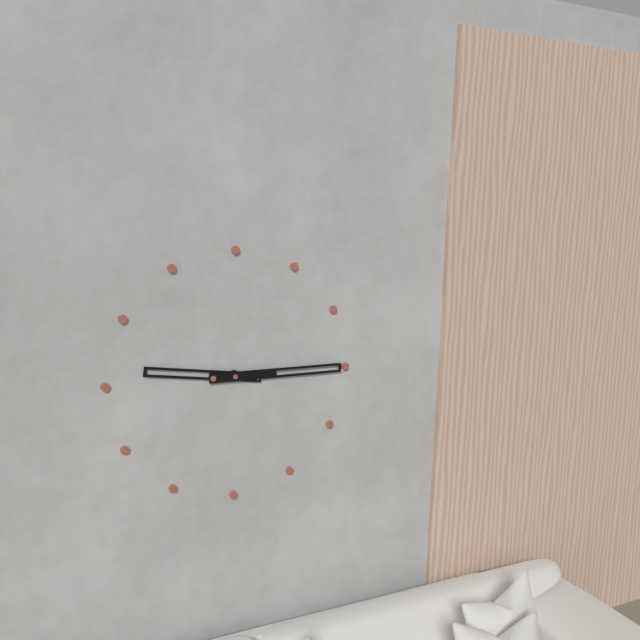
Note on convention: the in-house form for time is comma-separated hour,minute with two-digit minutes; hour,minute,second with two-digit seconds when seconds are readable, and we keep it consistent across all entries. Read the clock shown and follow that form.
9,15
